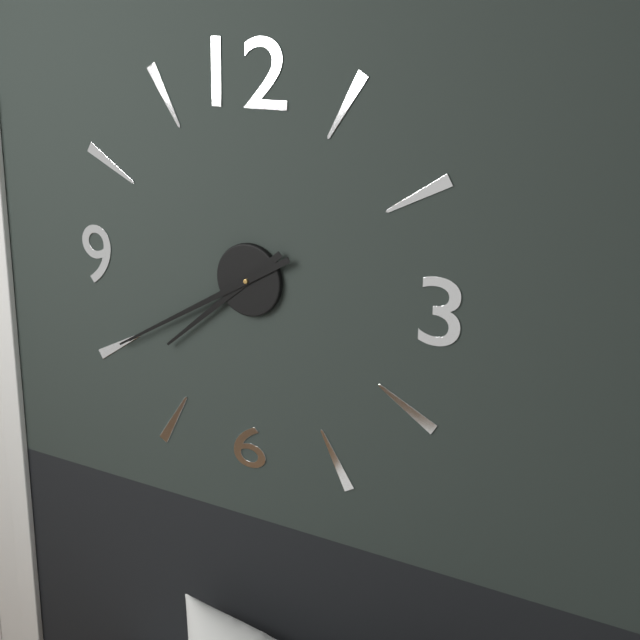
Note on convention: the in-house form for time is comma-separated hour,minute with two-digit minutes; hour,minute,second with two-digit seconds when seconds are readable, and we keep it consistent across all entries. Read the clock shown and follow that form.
7,40
